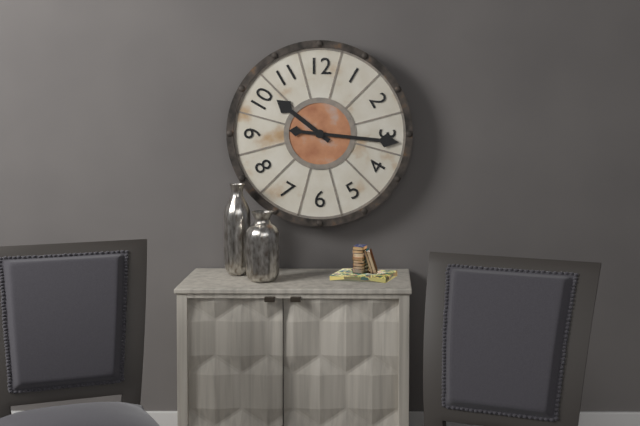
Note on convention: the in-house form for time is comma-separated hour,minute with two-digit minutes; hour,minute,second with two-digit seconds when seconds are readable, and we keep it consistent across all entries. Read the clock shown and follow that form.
10,16
